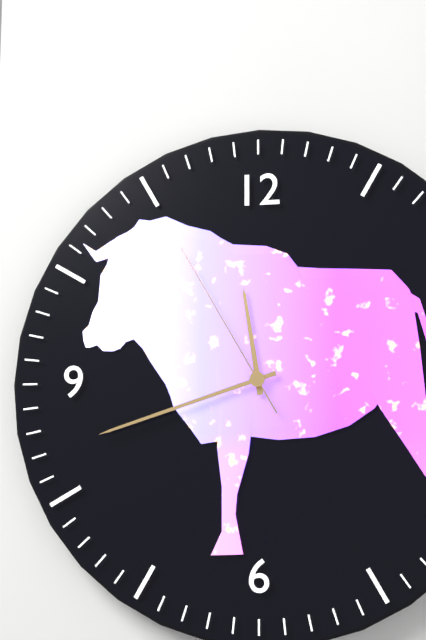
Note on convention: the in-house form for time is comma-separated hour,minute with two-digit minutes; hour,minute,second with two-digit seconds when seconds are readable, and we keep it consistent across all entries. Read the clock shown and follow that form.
11,42,55
